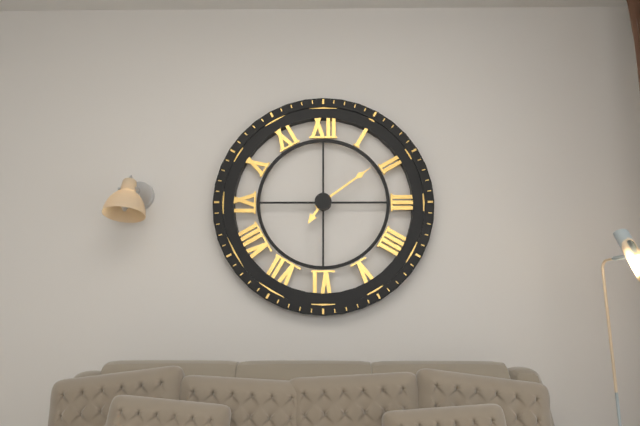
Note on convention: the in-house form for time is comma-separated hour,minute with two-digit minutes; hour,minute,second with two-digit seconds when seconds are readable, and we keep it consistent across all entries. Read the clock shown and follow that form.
7,09
